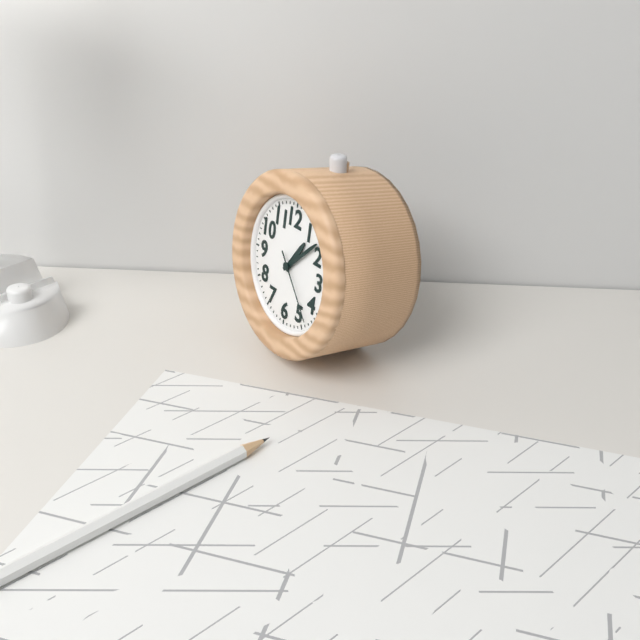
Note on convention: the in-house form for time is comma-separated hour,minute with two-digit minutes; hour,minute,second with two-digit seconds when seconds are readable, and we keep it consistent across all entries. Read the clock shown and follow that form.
1,08,23
